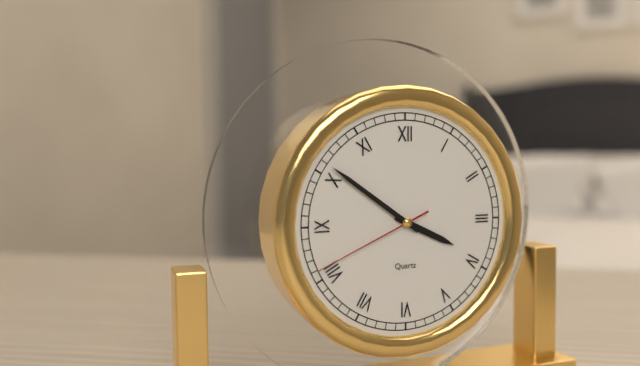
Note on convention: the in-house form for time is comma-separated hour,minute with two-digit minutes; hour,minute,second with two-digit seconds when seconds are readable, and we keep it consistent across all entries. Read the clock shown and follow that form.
3,51,41
